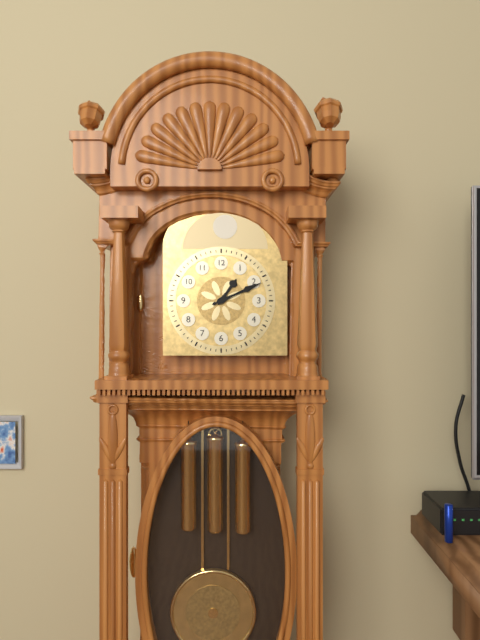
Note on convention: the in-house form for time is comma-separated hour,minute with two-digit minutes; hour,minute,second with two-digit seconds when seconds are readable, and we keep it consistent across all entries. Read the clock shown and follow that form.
1,11
